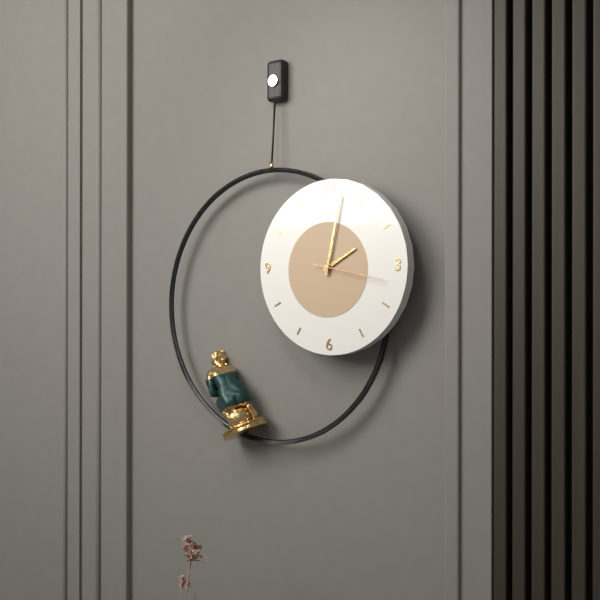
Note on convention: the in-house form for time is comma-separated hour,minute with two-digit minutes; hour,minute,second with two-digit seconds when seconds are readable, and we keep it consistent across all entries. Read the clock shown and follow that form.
2,02,17
